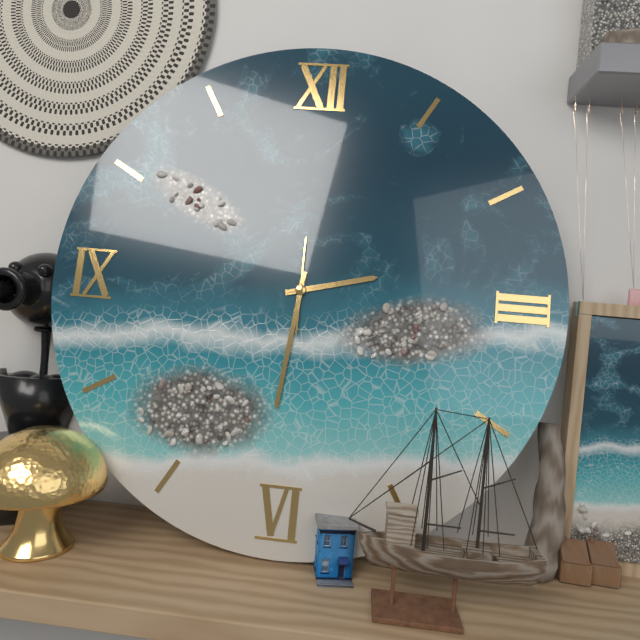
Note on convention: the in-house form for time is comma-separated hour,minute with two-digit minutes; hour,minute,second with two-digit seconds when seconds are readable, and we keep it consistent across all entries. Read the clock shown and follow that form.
2,31,00
